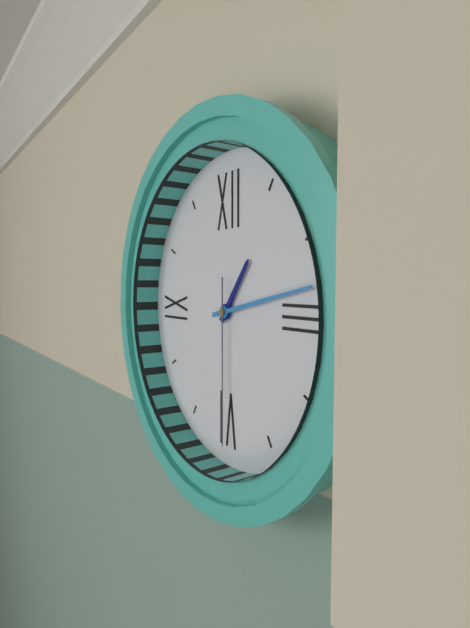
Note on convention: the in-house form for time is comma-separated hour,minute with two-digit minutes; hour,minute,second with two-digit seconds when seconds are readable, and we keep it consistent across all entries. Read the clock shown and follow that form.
1,13,30
